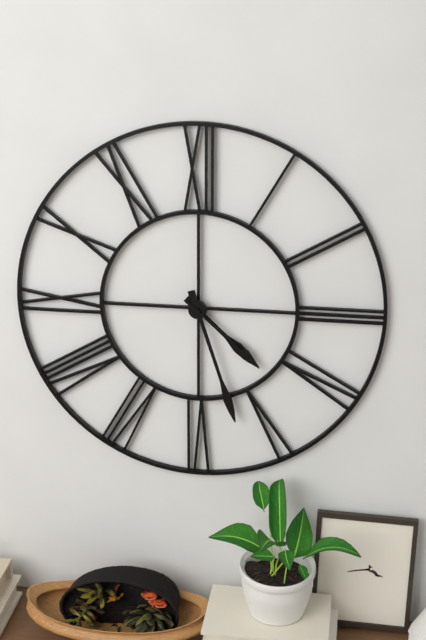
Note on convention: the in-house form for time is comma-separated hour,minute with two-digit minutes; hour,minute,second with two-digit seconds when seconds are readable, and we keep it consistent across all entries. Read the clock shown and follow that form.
4,27,22
